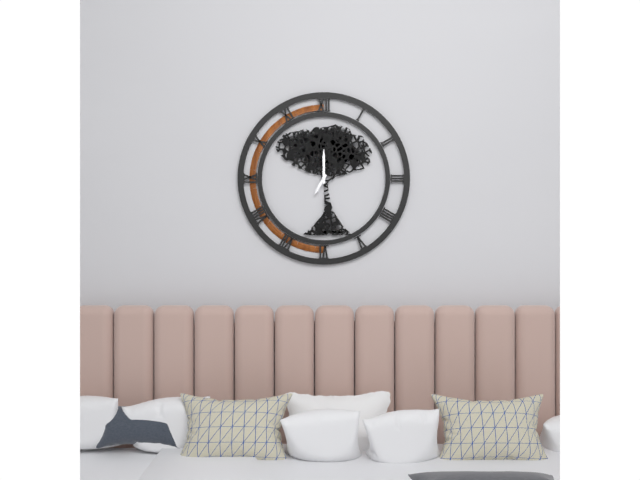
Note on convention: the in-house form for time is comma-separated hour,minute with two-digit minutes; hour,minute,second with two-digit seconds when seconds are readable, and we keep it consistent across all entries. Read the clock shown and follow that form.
7,00
